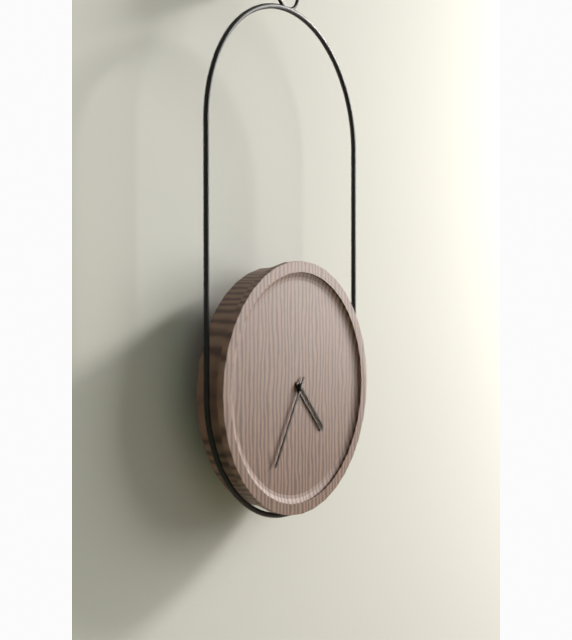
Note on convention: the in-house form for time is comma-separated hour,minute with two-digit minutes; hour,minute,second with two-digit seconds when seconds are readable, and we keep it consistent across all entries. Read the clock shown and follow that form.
4,35
